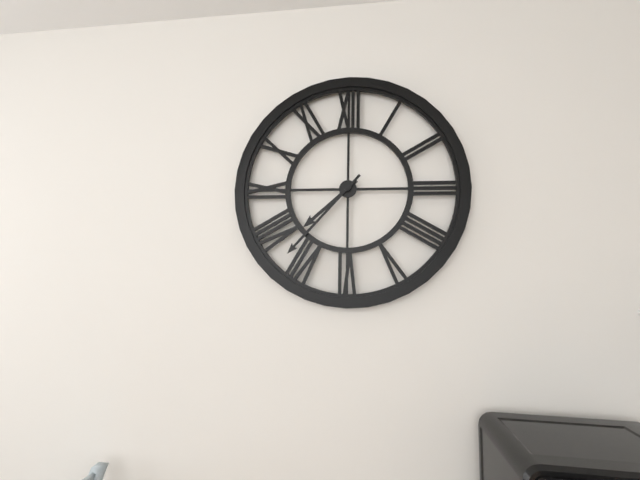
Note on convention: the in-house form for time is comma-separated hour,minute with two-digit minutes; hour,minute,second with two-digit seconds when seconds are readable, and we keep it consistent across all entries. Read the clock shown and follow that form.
7,37
